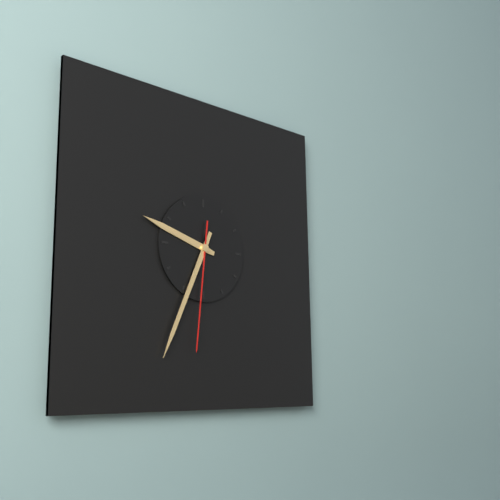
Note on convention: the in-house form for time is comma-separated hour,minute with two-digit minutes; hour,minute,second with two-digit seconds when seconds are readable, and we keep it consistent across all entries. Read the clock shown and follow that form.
9,34,31
